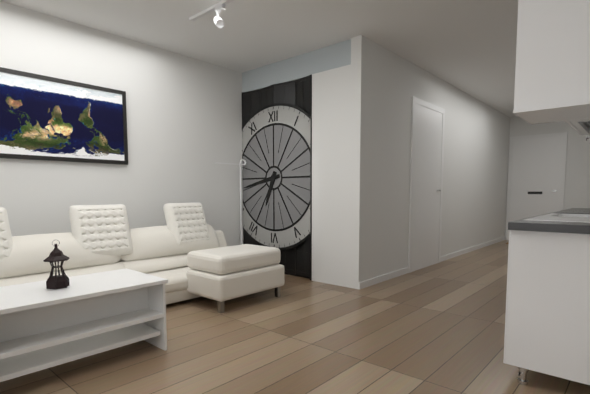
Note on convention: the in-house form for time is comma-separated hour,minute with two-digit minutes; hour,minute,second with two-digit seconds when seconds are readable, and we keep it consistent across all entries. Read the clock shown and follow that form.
6,43
